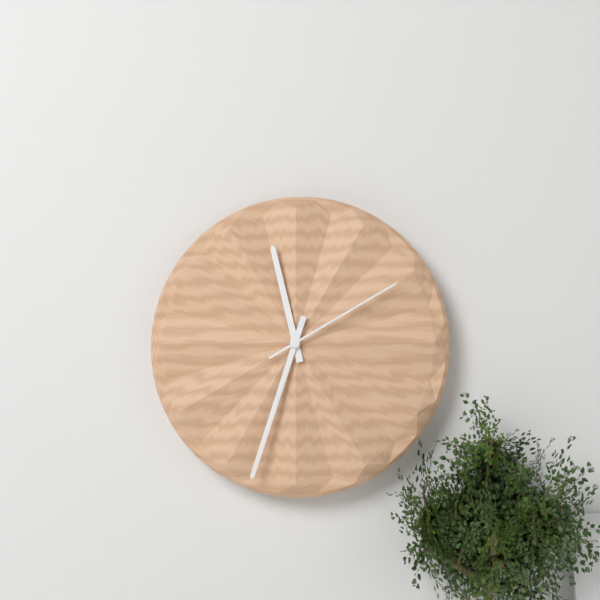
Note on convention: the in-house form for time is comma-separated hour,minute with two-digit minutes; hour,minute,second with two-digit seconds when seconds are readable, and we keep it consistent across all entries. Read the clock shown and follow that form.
11,33,10
